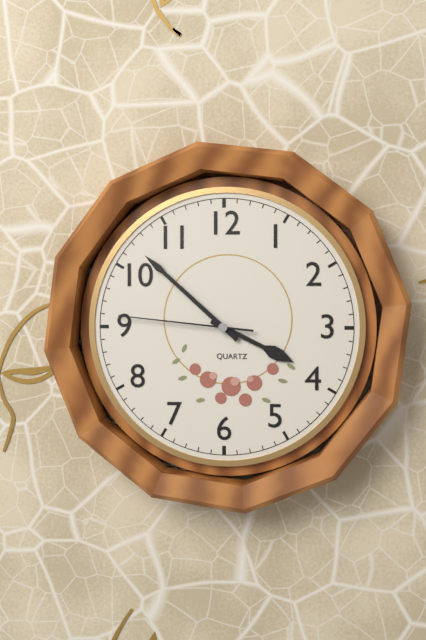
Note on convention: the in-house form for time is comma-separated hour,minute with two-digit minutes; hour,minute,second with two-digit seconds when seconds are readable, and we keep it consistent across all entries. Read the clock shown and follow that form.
3,52,46
